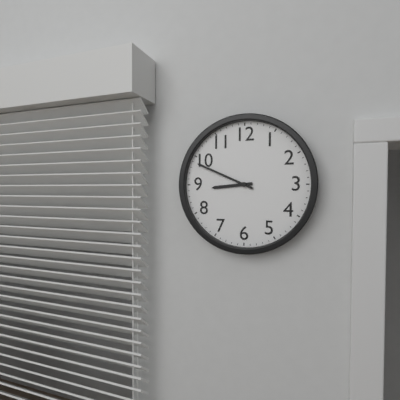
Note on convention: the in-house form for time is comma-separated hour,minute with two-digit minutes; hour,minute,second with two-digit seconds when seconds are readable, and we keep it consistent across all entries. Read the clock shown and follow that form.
8,49
